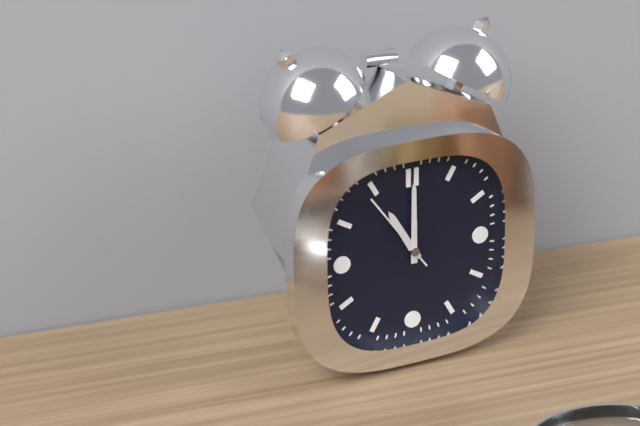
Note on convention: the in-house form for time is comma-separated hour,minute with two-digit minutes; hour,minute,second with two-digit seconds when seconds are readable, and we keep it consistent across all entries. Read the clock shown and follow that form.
11,00,54
